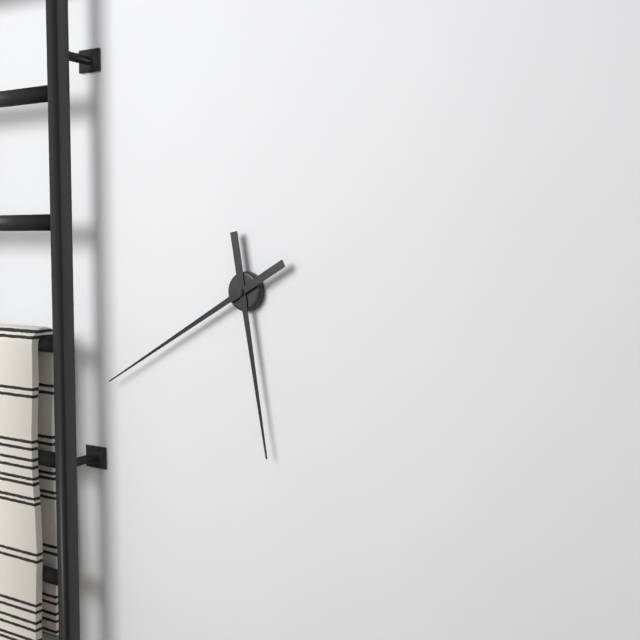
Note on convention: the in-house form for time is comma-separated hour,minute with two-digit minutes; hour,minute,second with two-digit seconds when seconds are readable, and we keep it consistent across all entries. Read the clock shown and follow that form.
5,40
